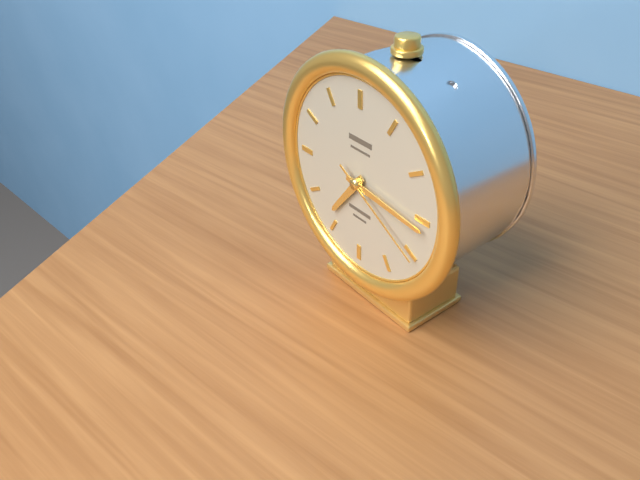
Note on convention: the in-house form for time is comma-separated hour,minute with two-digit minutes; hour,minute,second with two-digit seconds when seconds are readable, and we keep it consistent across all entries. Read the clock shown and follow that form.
7,16,20
